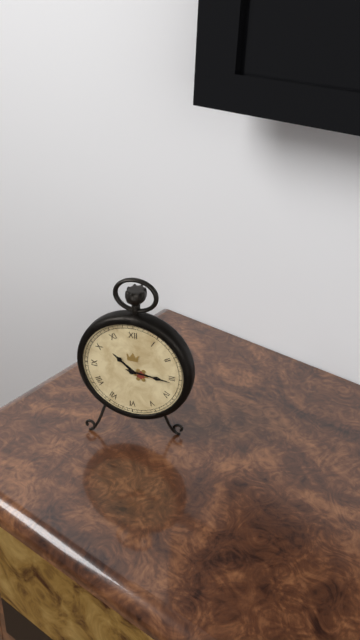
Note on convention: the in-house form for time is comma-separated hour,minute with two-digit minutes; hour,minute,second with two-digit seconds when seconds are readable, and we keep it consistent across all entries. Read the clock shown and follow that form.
10,16
